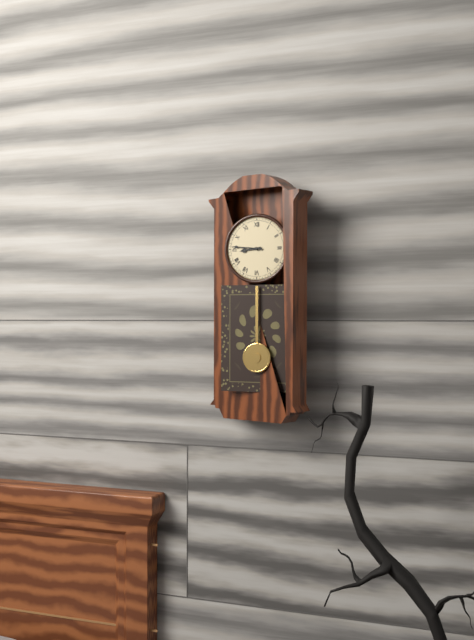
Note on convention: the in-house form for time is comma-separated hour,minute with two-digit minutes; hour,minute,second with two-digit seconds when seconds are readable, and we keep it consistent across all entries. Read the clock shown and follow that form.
8,46
